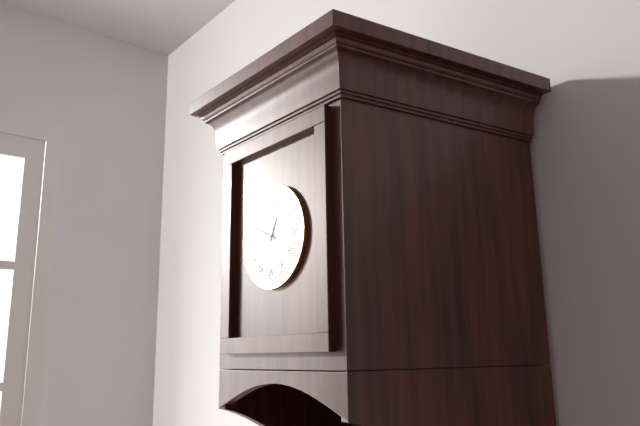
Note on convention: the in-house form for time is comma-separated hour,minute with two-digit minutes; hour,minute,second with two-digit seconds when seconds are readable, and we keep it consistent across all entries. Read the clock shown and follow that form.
12,49
